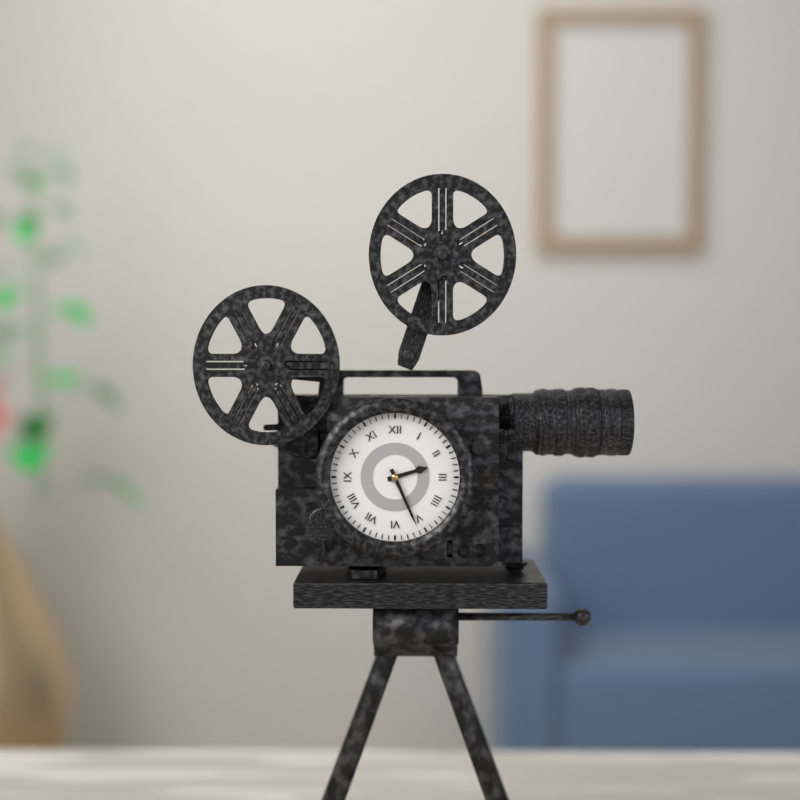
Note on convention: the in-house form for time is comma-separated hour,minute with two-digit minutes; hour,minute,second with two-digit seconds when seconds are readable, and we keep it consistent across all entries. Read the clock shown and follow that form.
2,26
